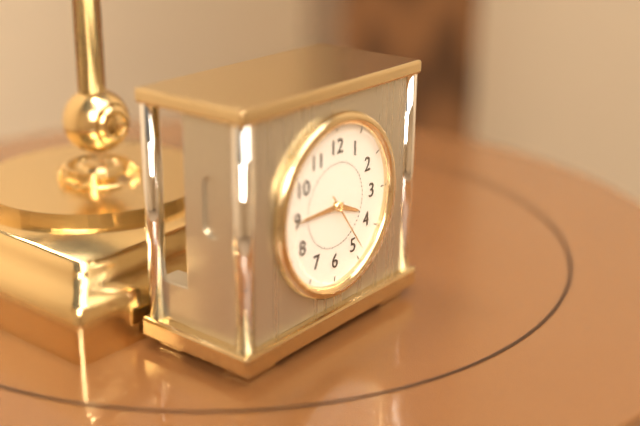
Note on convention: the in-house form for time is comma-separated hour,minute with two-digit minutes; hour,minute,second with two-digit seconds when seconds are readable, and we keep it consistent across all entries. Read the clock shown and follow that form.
3,45,24
